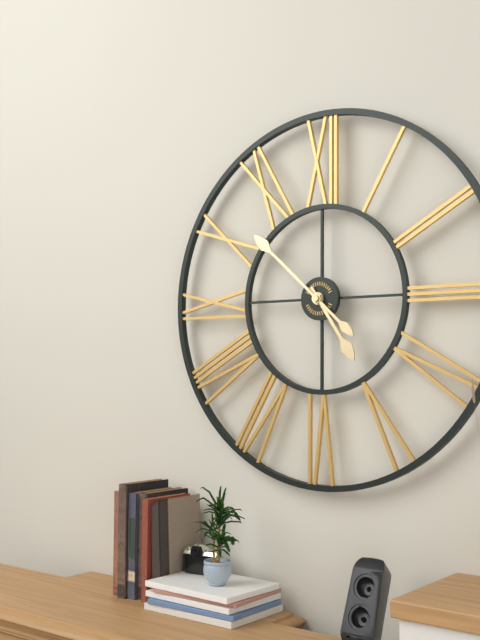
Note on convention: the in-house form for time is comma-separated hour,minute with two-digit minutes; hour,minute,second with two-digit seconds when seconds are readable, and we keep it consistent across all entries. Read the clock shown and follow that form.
4,52
